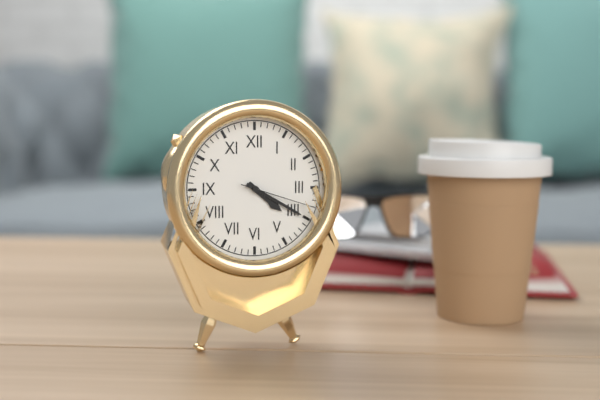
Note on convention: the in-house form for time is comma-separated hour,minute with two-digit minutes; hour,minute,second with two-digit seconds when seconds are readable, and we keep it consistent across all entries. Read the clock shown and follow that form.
4,20,18
